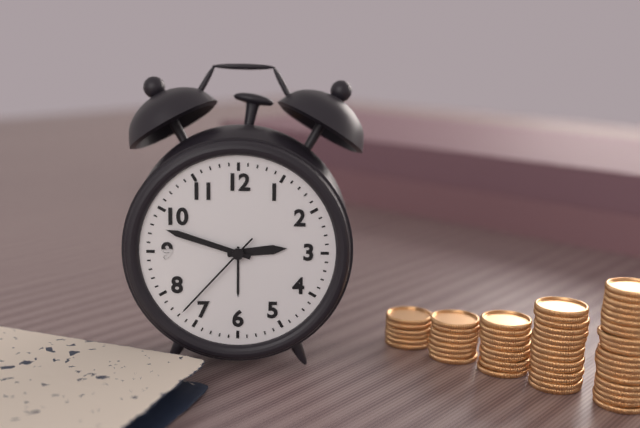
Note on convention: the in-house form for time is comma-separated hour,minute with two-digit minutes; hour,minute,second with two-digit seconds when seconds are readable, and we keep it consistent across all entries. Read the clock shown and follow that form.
2,48,37
